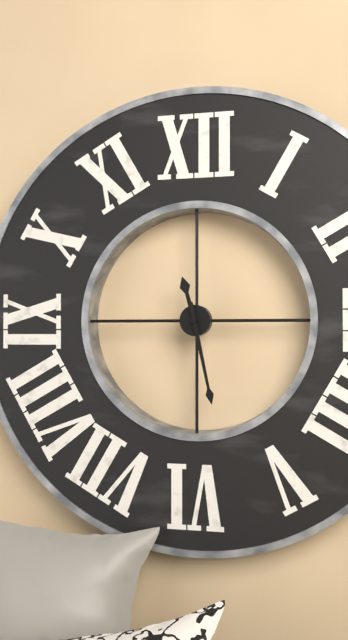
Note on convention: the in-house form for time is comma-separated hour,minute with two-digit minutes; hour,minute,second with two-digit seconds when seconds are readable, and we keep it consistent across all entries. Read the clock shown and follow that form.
11,28
